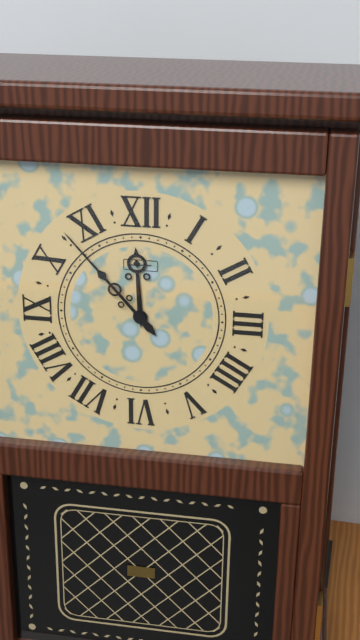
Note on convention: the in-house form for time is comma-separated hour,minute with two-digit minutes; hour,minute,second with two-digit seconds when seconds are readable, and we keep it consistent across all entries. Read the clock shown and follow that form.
11,53
